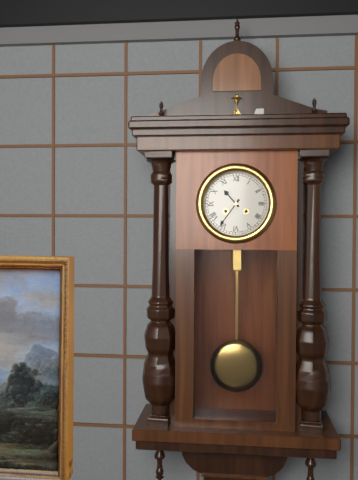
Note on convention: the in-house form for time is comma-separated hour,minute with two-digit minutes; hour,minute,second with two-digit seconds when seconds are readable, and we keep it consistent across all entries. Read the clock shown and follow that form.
10,36
